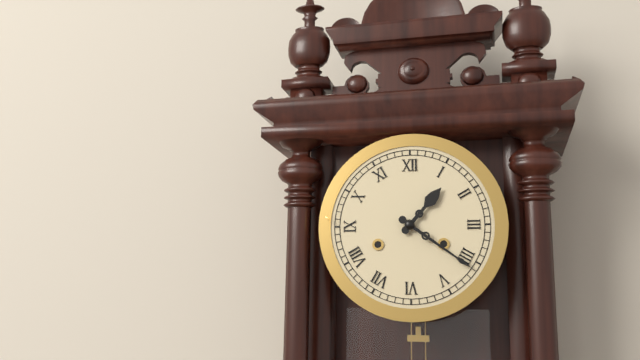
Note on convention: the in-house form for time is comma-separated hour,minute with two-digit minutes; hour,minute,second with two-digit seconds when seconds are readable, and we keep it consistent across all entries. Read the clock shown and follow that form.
1,21
